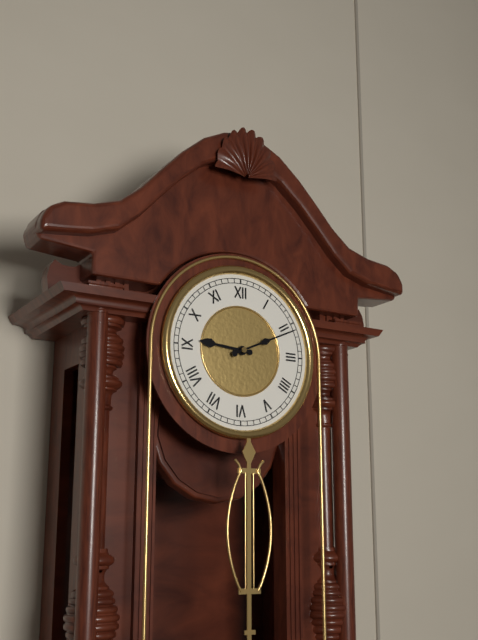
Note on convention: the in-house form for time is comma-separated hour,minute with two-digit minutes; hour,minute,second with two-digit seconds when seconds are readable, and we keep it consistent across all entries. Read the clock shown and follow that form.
9,11
